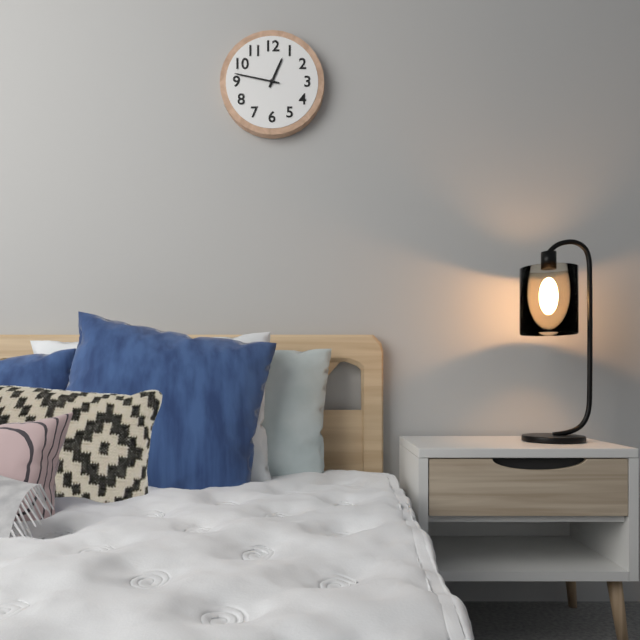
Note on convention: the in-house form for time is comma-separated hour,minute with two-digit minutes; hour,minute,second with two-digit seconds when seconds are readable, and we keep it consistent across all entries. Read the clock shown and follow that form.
12,47
